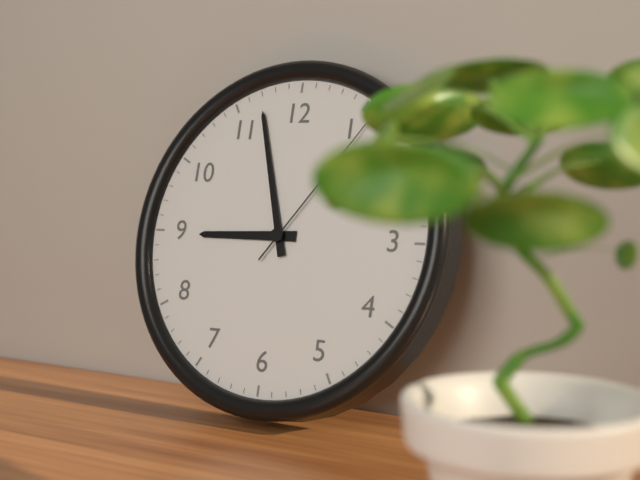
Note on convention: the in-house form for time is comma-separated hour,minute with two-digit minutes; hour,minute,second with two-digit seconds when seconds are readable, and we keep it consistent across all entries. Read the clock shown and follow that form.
8,57
